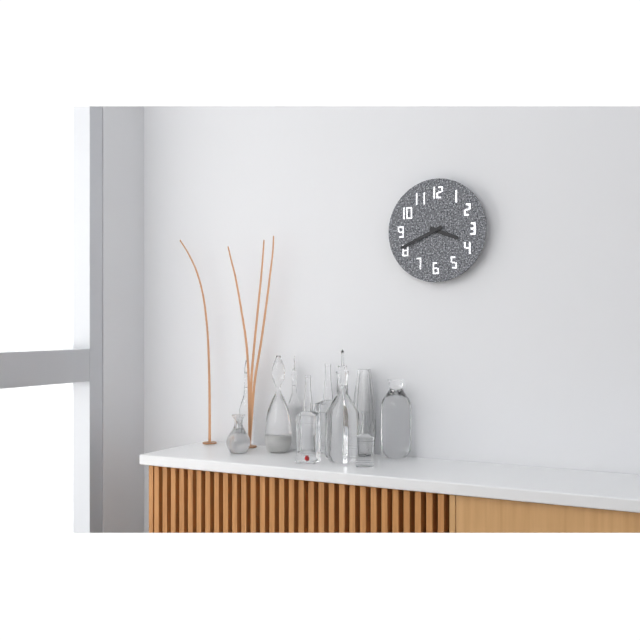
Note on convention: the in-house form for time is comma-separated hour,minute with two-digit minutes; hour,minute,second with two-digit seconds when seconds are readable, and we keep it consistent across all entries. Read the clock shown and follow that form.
3,41
